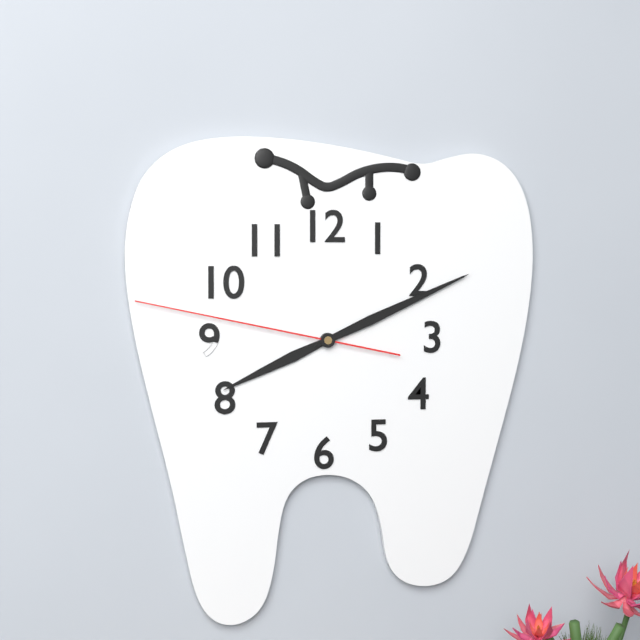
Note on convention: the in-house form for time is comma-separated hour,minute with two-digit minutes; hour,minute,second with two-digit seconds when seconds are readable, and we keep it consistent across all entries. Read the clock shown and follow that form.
8,11,47
